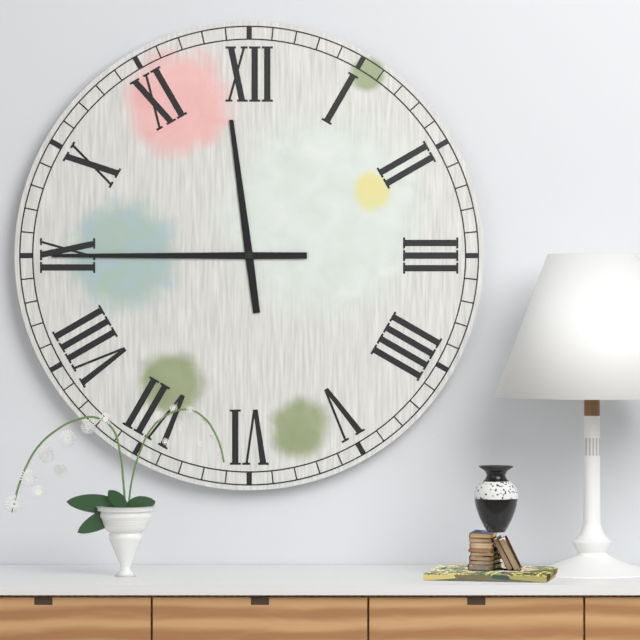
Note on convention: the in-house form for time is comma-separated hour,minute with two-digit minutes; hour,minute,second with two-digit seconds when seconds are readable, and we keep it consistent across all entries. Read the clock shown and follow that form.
11,45
